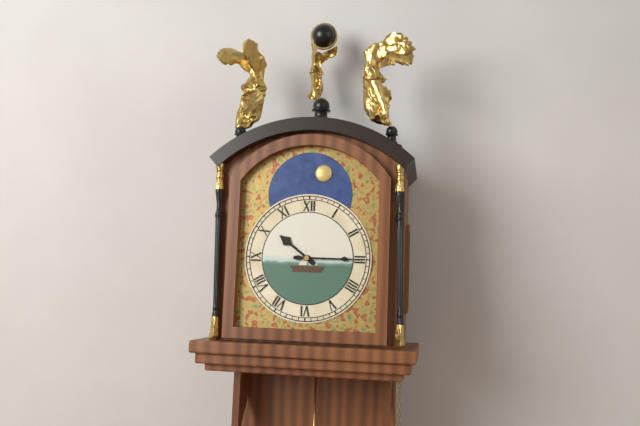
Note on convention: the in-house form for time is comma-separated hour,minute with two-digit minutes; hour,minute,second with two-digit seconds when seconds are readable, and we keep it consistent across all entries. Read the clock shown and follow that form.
10,15
